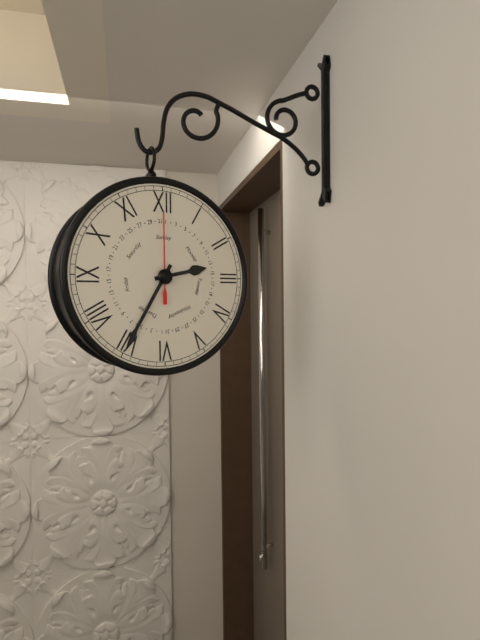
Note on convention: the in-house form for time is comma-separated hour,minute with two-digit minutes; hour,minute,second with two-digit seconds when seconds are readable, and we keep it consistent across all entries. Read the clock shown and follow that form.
2,35,00
